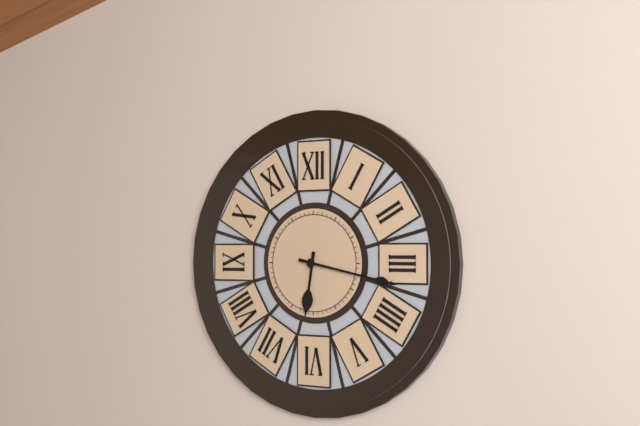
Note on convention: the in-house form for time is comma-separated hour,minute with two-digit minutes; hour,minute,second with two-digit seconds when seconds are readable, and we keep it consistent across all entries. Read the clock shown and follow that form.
6,17
